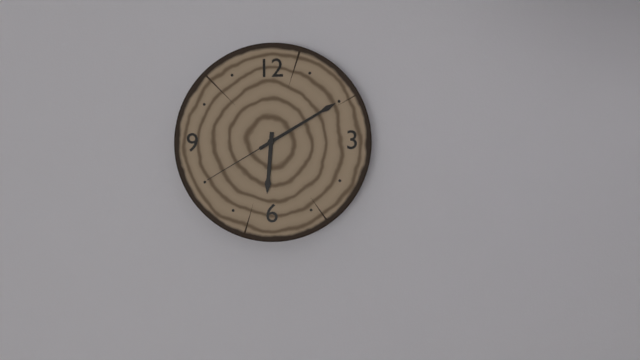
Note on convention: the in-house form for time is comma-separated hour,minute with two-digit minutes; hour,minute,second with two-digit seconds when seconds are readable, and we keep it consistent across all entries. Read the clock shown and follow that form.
6,10,40
